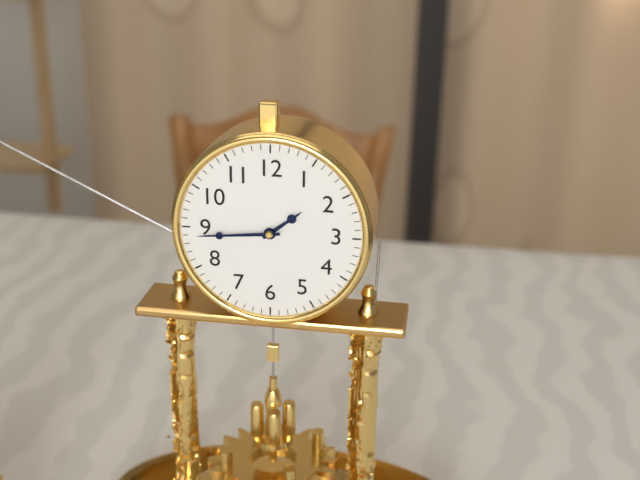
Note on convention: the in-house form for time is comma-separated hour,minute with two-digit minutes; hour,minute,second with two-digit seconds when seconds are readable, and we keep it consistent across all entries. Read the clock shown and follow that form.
1,44
